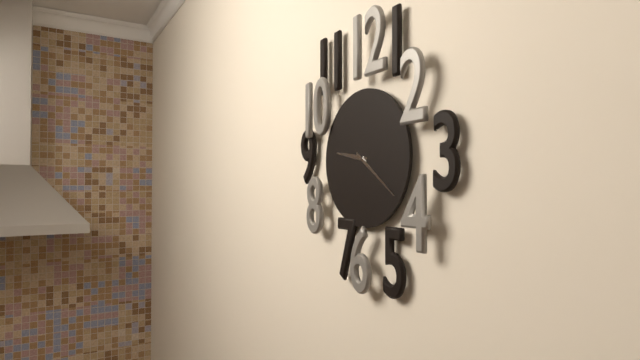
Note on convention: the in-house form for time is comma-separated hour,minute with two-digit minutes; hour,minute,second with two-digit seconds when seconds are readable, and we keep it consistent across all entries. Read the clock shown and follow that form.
9,21
